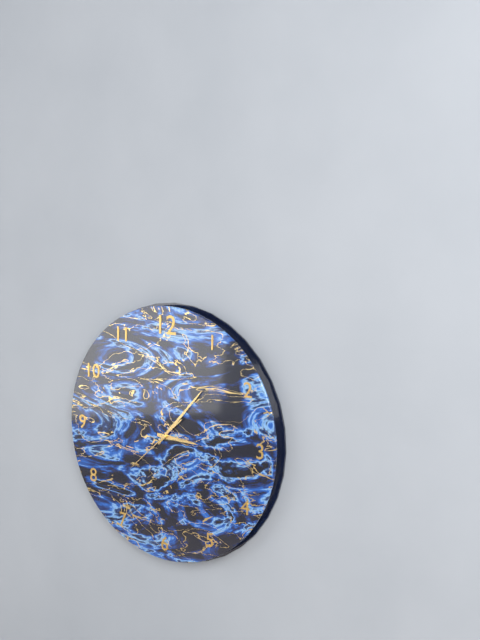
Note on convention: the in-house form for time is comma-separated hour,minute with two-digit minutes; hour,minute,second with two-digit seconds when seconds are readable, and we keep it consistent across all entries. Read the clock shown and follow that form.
3,07,38
